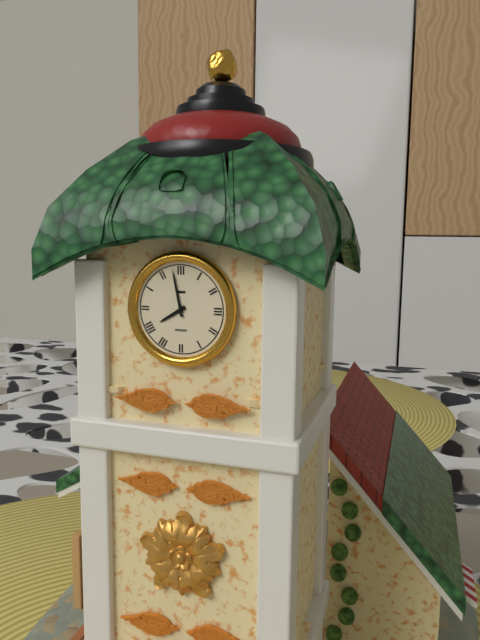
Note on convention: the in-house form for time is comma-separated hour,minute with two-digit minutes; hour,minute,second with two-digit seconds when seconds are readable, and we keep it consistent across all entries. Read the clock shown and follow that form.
7,58
